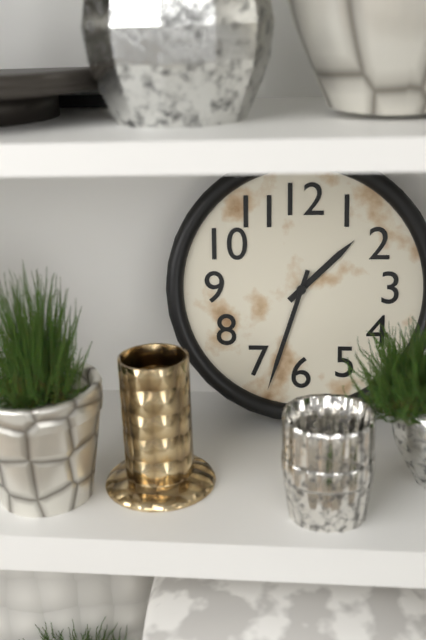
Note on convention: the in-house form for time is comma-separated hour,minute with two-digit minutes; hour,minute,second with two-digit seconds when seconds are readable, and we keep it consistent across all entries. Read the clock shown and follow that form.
1,33
